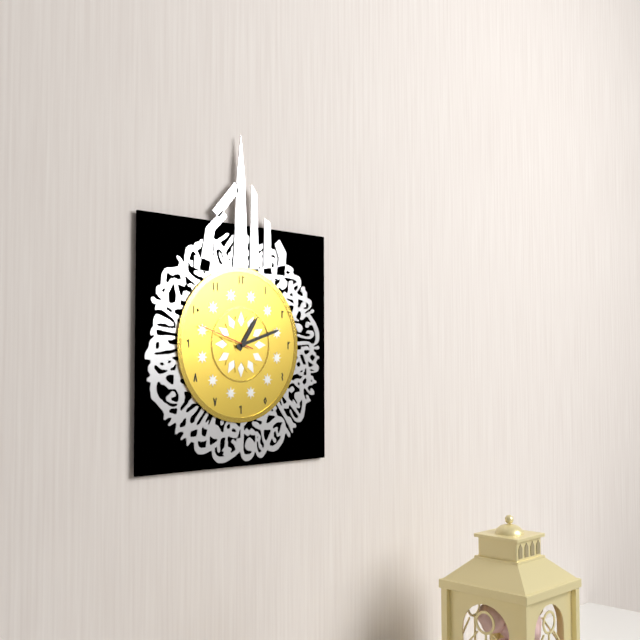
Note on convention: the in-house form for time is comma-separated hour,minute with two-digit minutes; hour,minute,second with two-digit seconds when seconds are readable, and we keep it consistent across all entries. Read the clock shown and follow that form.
1,12,48
